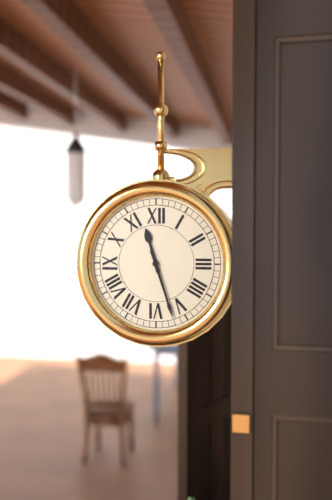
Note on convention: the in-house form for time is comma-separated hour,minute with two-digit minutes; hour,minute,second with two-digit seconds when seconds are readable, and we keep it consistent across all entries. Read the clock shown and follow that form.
11,27
